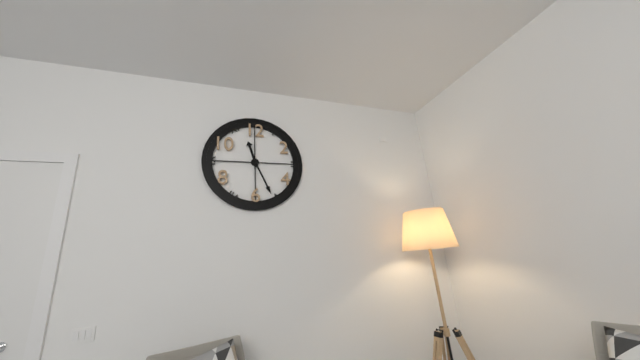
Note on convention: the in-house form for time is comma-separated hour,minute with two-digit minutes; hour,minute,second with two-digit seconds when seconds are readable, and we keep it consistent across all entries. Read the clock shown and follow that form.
11,26
